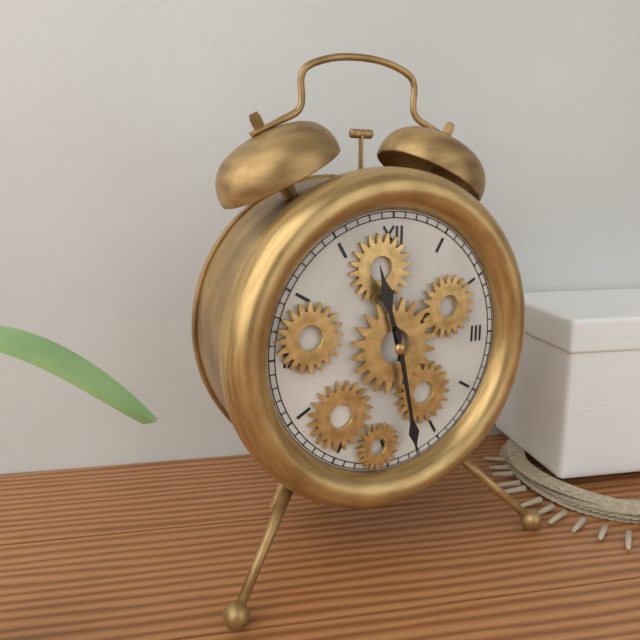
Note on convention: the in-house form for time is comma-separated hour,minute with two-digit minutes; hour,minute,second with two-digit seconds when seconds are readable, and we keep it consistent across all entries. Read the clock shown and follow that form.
11,28
